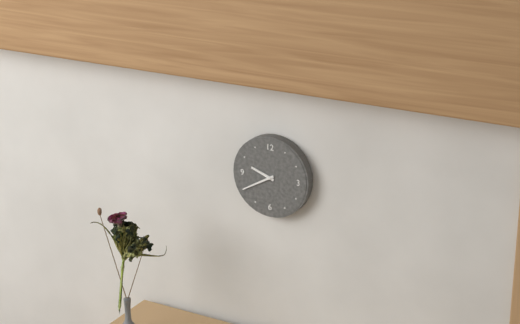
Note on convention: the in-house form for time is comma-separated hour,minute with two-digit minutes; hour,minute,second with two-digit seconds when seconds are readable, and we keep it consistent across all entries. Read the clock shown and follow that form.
9,40
